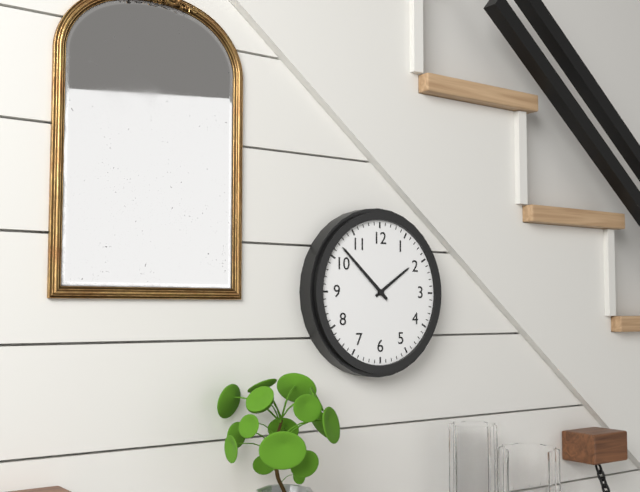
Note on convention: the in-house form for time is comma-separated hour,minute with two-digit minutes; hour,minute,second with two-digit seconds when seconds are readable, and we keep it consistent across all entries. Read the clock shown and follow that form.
1,52
